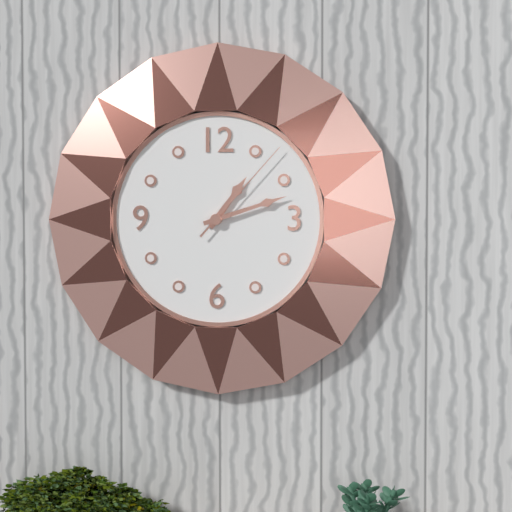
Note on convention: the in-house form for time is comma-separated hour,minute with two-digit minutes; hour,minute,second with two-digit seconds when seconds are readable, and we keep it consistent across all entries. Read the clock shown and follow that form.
1,12,07
